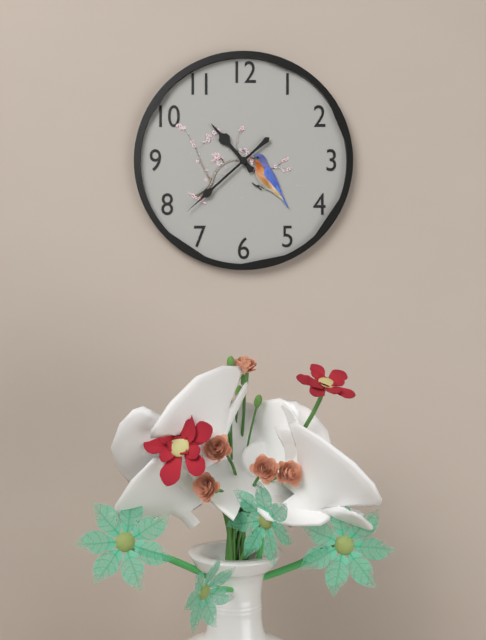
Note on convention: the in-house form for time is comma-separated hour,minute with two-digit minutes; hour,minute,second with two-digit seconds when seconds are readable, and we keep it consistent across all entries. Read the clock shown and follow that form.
10,38
